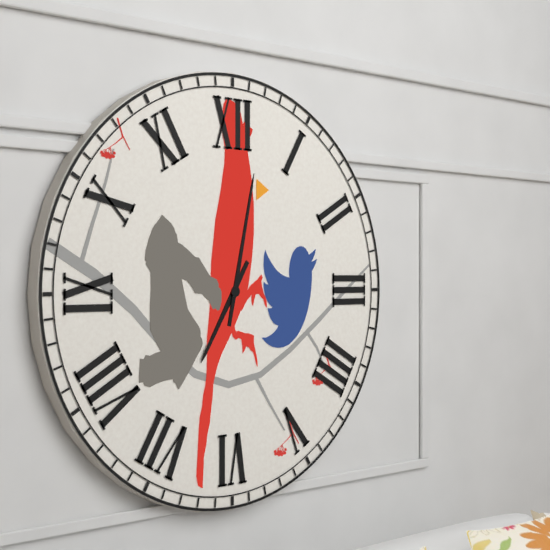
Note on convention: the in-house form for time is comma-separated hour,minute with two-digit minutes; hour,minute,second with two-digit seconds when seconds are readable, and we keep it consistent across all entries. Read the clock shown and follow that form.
7,02
